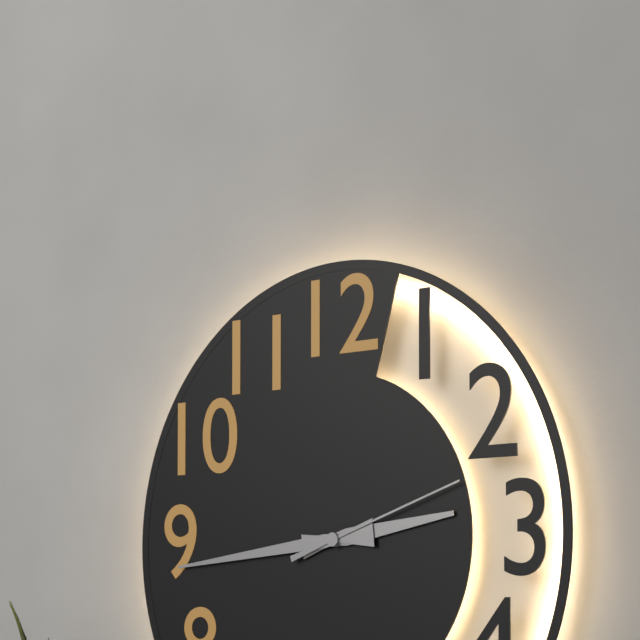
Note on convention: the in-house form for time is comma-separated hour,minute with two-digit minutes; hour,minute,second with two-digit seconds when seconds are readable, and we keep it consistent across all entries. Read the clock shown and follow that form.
2,44,12
